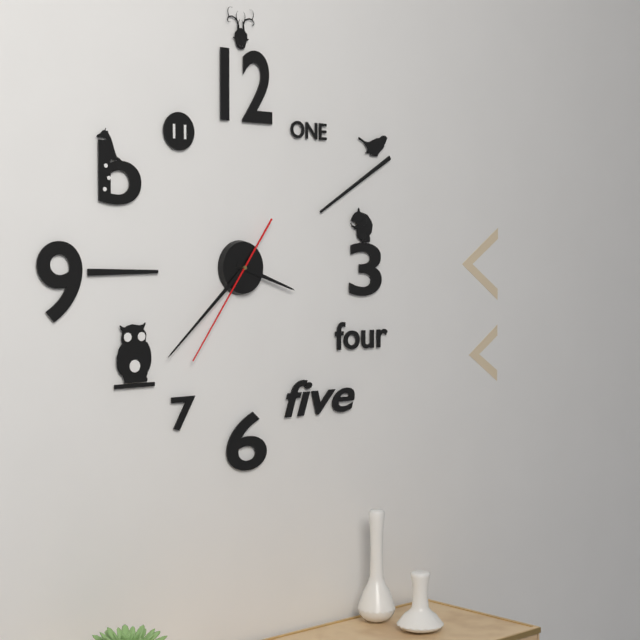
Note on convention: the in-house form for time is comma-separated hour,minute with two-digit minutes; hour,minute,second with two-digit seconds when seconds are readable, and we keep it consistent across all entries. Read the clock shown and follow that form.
3,38,36
